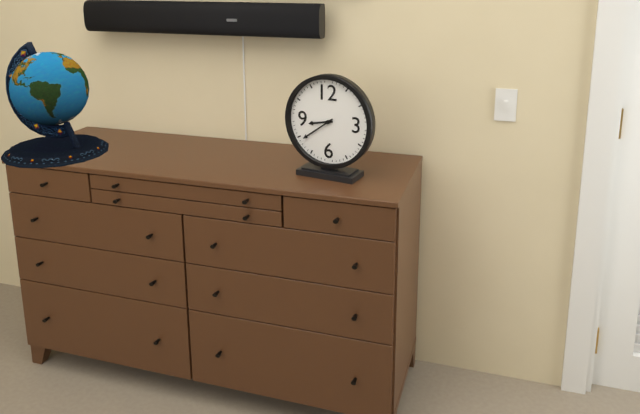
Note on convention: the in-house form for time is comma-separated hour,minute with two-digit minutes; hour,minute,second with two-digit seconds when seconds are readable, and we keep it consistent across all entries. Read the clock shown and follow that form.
8,39
